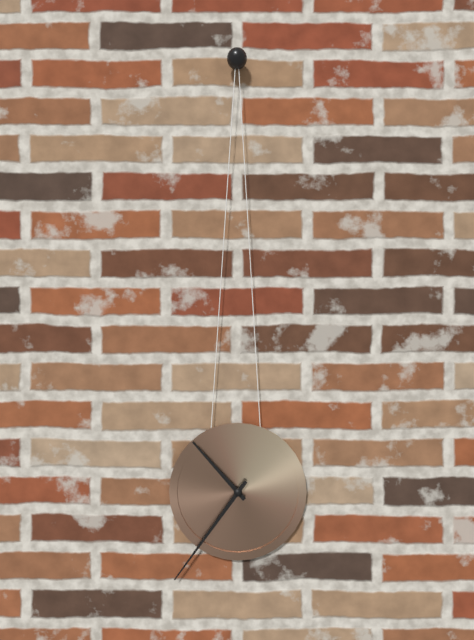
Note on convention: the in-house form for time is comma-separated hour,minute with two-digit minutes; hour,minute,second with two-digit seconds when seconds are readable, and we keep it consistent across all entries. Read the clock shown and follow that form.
10,36
